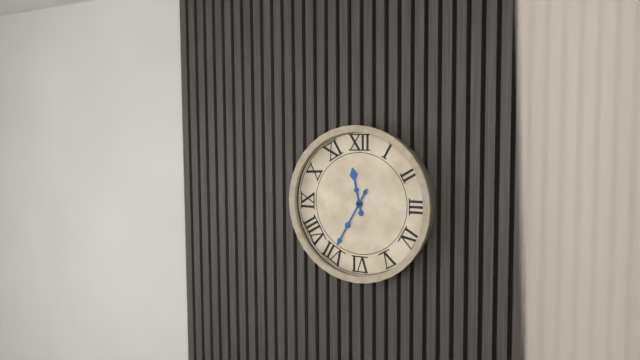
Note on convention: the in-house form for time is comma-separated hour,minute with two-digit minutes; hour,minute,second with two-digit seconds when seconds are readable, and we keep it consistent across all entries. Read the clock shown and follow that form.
11,35
